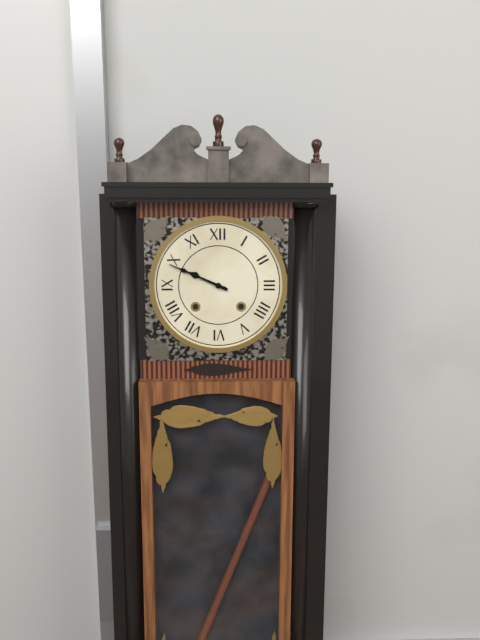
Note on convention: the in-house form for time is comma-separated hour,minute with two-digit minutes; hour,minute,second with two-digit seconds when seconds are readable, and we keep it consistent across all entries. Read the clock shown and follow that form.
9,49
